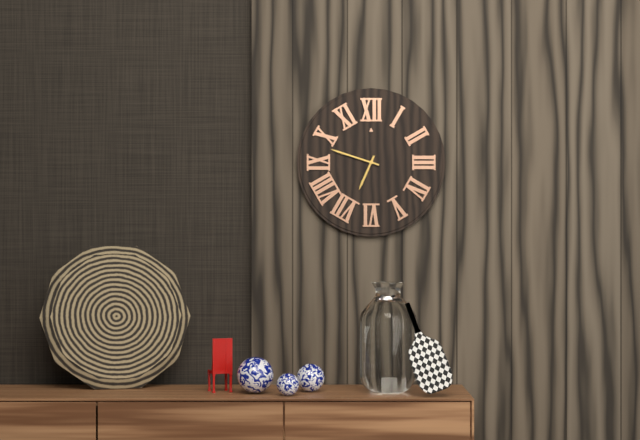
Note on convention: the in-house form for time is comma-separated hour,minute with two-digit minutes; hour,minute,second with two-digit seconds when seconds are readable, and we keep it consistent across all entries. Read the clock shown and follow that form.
6,48
